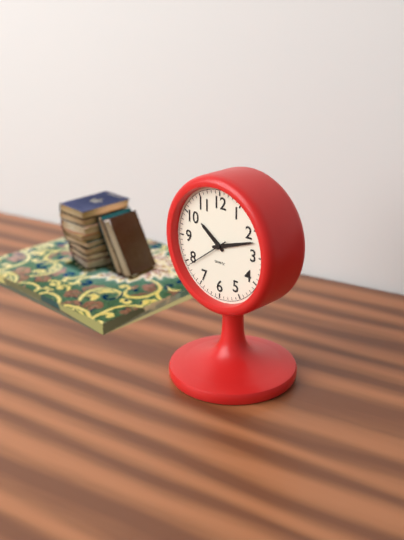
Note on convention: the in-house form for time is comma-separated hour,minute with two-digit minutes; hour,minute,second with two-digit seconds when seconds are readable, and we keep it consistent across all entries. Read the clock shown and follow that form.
10,12
